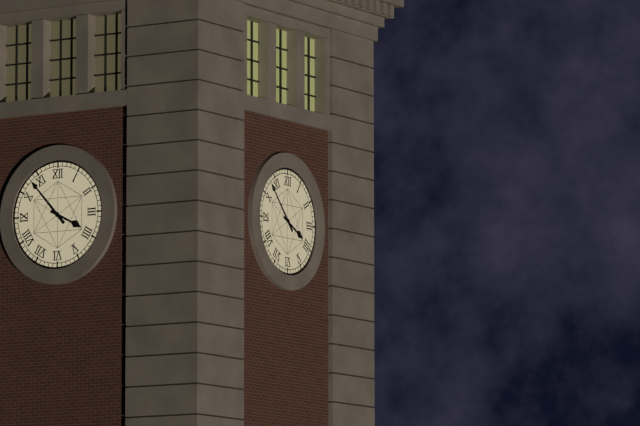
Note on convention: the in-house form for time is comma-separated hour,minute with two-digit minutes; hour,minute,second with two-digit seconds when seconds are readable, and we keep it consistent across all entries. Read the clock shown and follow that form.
3,53
